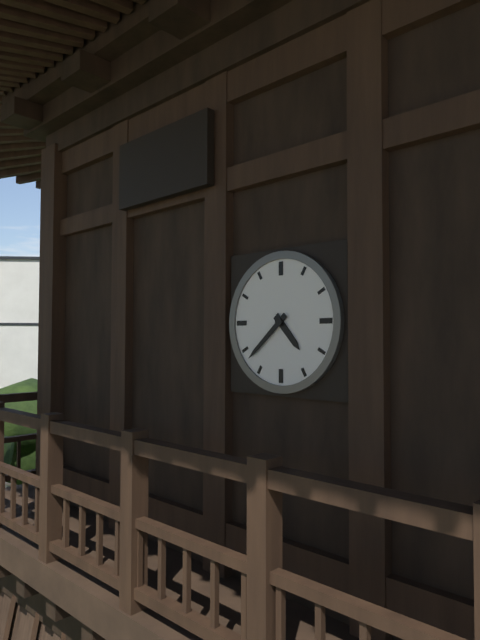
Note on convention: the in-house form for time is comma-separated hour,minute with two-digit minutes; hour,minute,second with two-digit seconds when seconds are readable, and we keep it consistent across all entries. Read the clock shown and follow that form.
4,38
